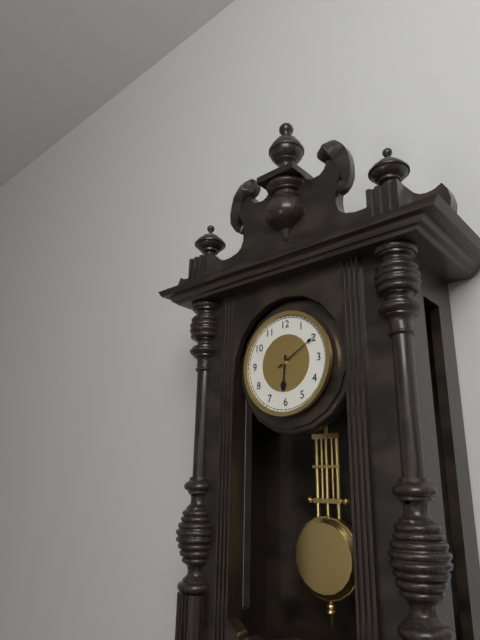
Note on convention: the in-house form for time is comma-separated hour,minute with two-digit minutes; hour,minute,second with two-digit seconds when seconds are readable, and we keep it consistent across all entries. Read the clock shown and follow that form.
6,10
